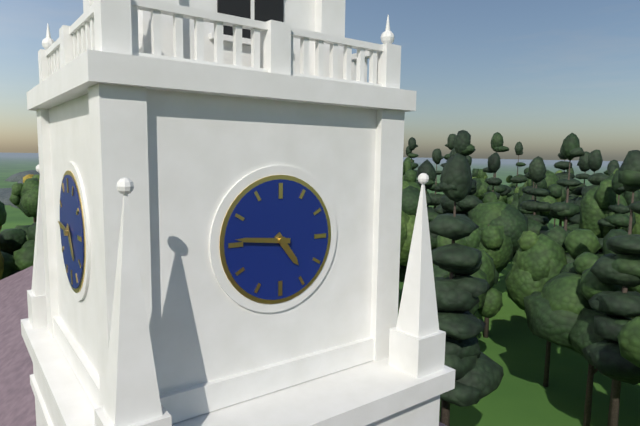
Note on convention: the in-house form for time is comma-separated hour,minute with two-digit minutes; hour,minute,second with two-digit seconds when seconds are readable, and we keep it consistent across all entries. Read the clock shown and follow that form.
4,46
